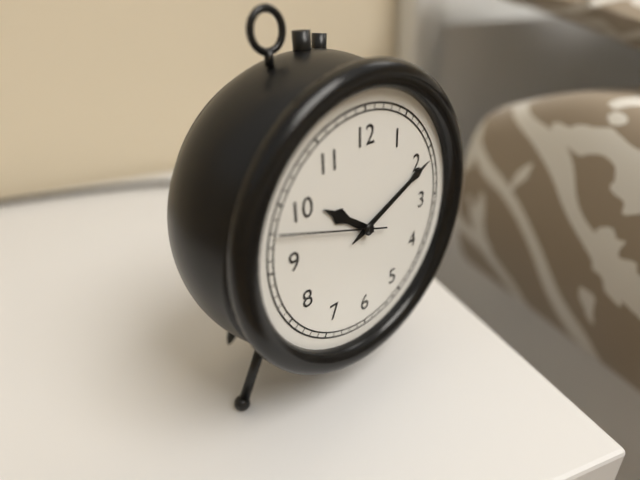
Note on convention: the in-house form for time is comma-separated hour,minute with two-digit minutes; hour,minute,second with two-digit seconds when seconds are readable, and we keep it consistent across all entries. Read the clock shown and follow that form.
10,11,48
